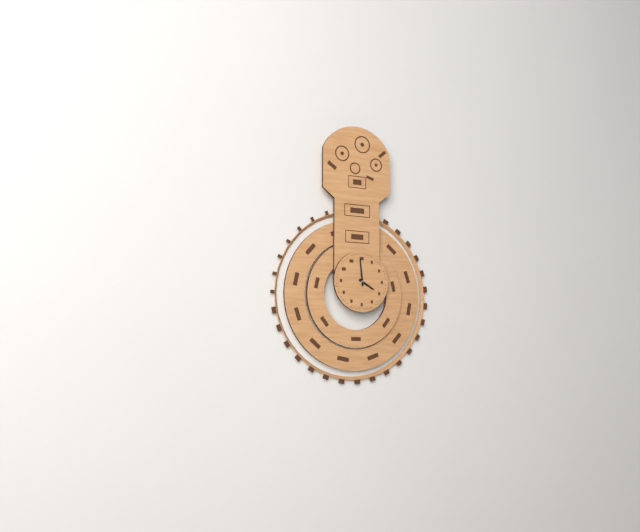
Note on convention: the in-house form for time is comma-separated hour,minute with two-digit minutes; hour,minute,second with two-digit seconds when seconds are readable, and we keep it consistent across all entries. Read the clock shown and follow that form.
3,59
